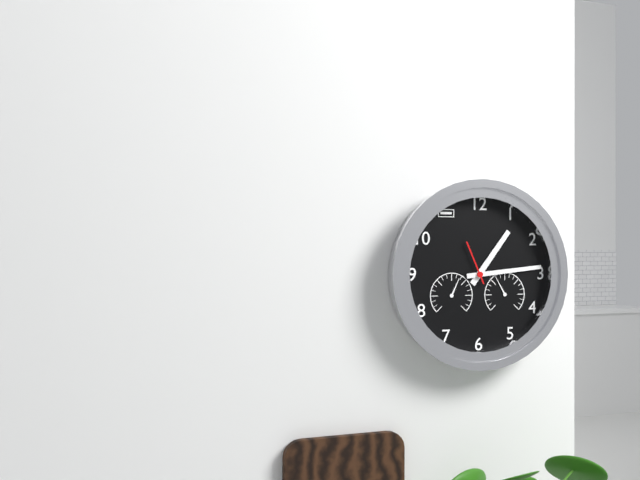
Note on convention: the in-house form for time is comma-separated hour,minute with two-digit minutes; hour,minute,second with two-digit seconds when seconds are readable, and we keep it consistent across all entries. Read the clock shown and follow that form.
1,14
